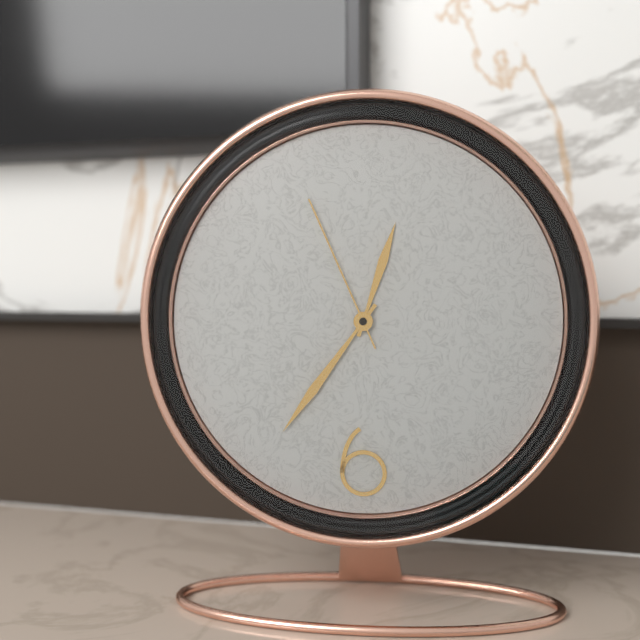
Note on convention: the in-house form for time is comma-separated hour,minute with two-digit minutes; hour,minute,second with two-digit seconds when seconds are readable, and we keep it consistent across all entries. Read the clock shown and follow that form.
12,36,56
